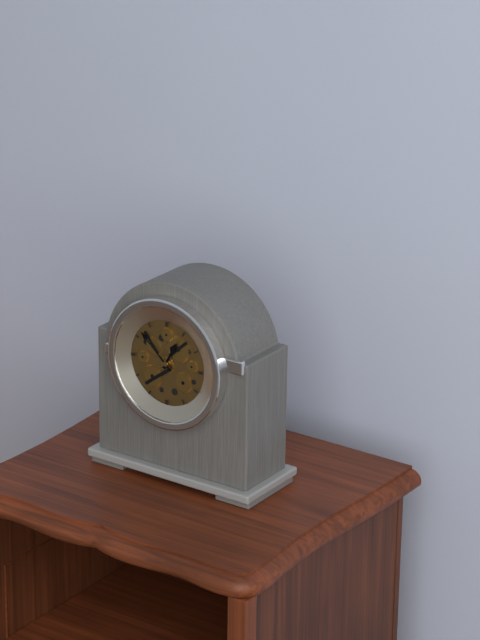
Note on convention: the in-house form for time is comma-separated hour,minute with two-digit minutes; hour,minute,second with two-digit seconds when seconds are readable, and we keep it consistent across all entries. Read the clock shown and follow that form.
12,52
